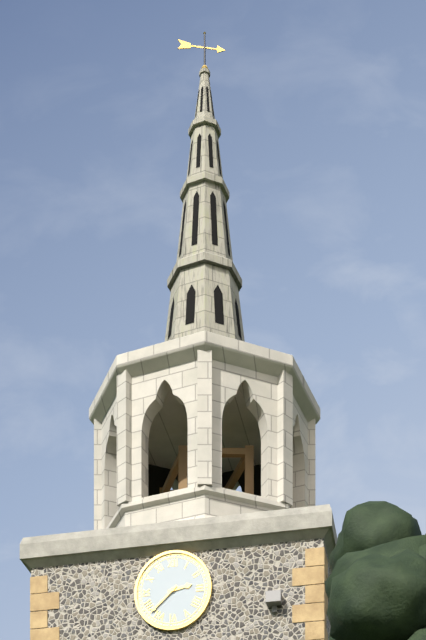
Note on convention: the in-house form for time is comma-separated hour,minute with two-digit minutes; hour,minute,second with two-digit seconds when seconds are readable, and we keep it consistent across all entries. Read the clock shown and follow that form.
2,38
